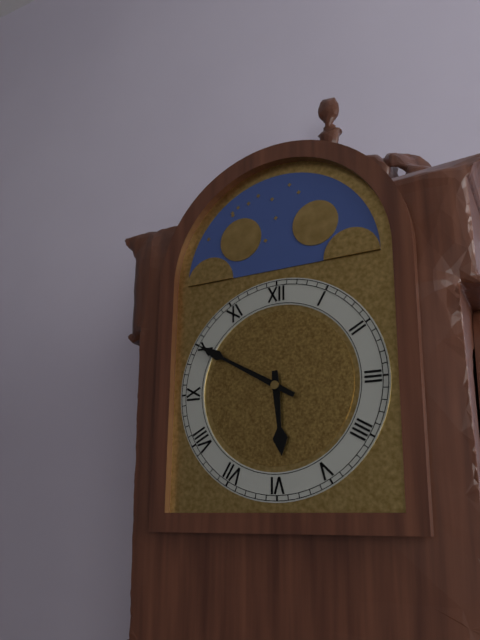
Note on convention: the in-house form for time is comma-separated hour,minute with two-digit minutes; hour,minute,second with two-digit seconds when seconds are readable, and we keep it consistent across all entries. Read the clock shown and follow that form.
5,50
